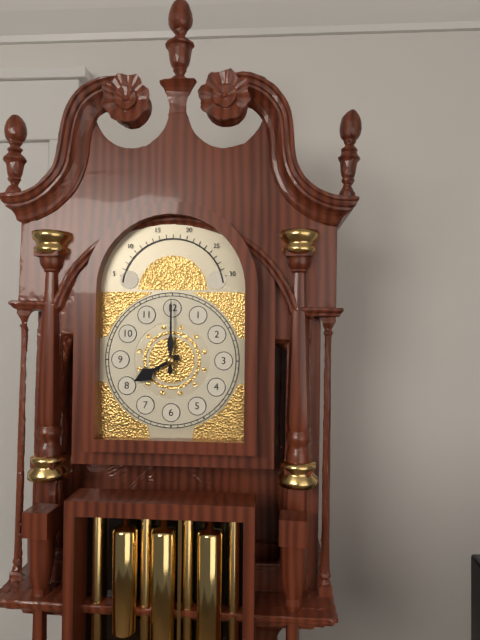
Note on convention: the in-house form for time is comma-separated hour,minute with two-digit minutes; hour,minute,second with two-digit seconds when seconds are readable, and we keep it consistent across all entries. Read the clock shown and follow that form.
8,00
